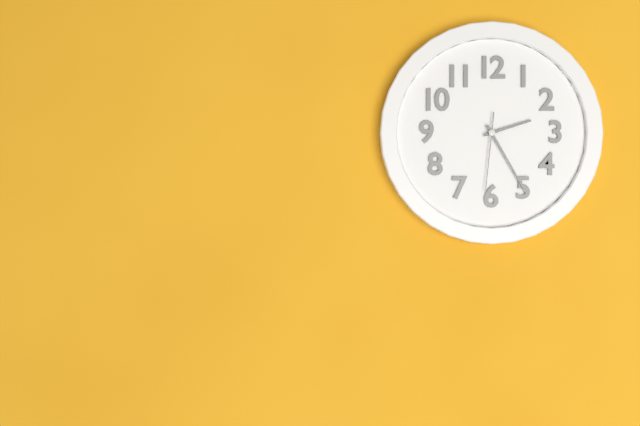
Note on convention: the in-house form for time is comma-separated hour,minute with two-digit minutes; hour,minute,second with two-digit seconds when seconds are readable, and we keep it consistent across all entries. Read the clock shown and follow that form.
2,25,31
